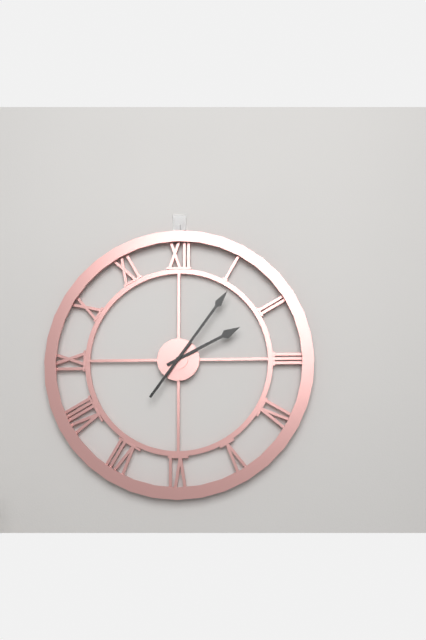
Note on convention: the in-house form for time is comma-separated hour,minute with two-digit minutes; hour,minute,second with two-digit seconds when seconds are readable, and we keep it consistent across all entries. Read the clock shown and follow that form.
2,06
